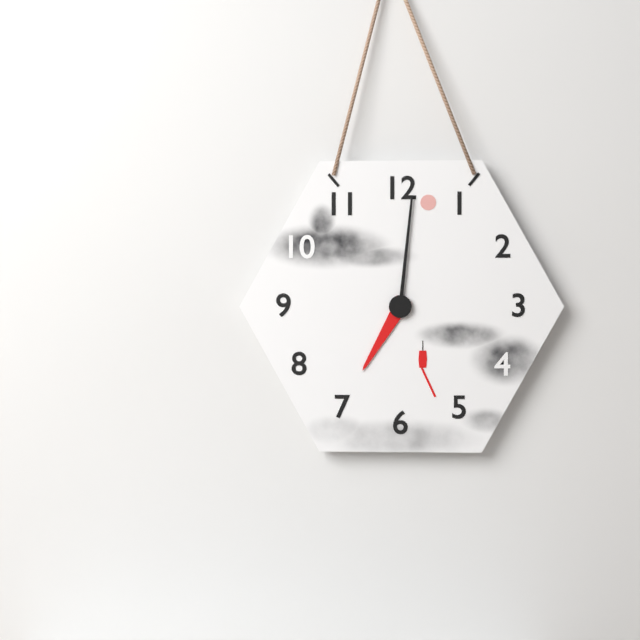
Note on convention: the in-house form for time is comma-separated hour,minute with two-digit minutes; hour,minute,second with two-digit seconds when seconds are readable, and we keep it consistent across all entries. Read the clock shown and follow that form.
7,01
